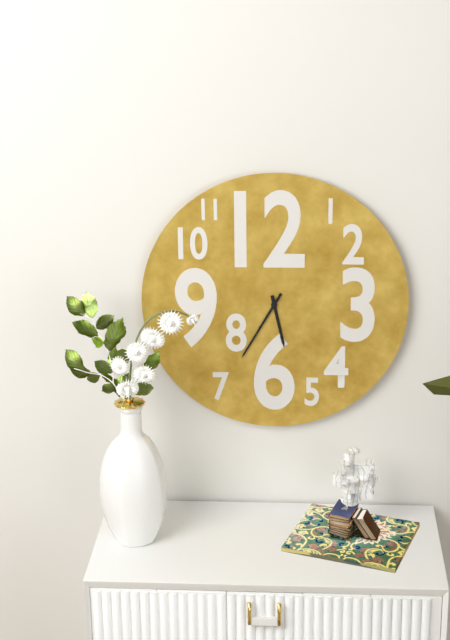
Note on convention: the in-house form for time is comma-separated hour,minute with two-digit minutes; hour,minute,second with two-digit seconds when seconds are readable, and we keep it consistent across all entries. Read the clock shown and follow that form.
5,35
